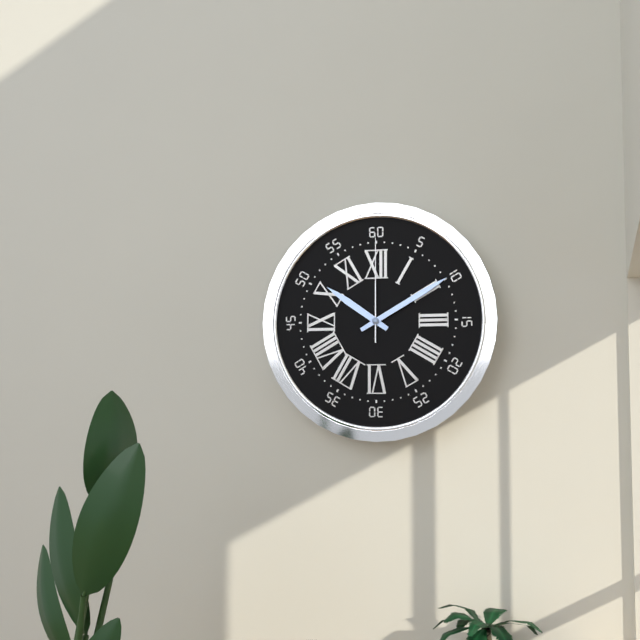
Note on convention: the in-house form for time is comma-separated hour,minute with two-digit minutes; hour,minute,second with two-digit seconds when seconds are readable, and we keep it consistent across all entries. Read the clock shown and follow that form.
10,10,00
